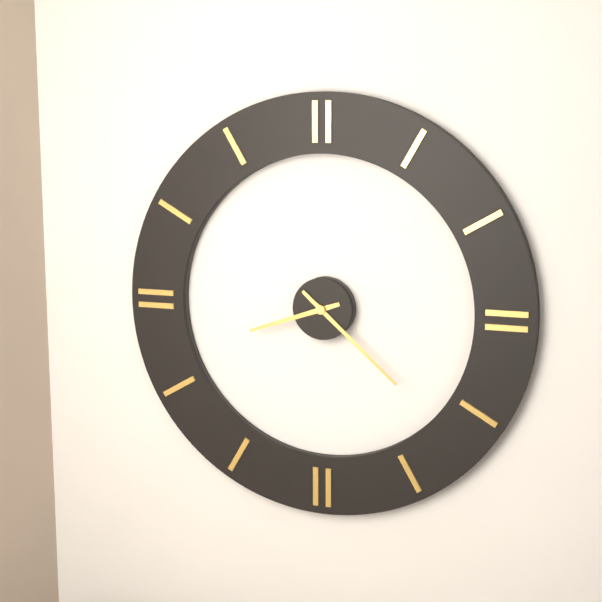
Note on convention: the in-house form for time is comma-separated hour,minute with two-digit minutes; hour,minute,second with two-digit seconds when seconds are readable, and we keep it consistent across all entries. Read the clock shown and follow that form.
8,22
